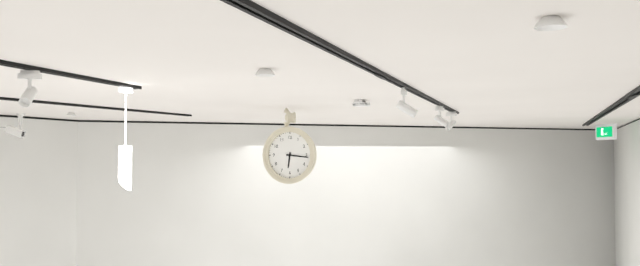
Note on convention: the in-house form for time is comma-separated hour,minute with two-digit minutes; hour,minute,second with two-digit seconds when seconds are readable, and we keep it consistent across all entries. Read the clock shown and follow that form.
6,16
